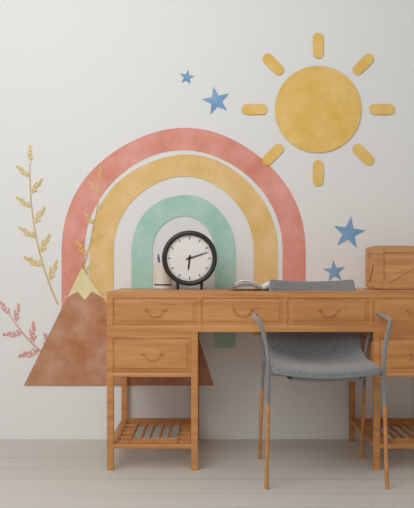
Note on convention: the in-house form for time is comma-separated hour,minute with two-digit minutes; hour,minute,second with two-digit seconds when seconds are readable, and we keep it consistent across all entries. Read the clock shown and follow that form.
6,12
